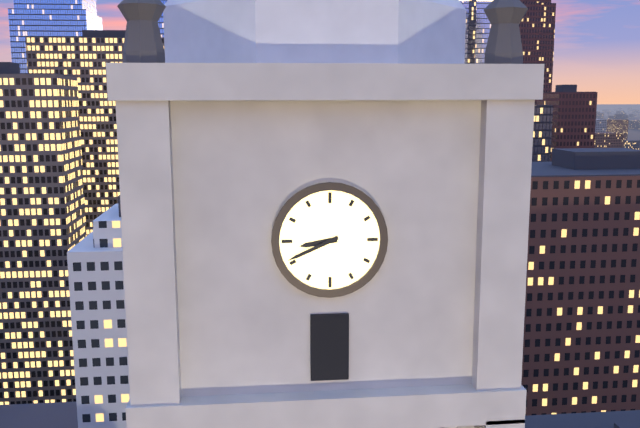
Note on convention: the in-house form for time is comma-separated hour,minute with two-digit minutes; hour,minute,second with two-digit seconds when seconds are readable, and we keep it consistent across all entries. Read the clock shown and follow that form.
8,41
